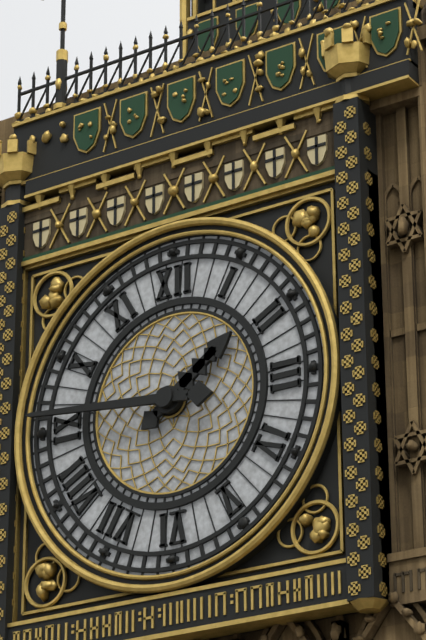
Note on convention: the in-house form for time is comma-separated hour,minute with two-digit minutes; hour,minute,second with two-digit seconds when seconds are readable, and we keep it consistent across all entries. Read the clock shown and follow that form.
1,46
